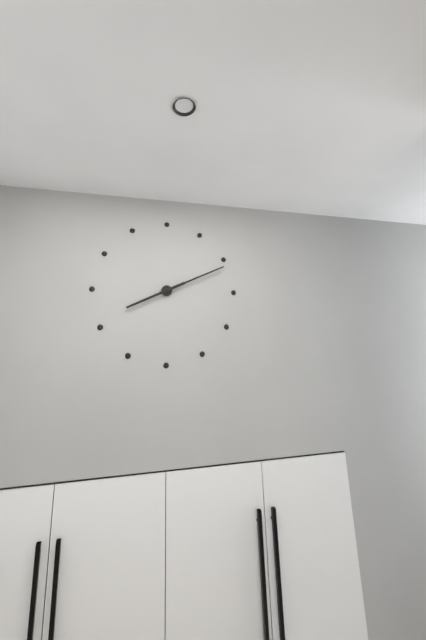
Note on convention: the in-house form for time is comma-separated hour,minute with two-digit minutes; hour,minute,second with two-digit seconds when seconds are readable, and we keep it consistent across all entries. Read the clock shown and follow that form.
8,11
